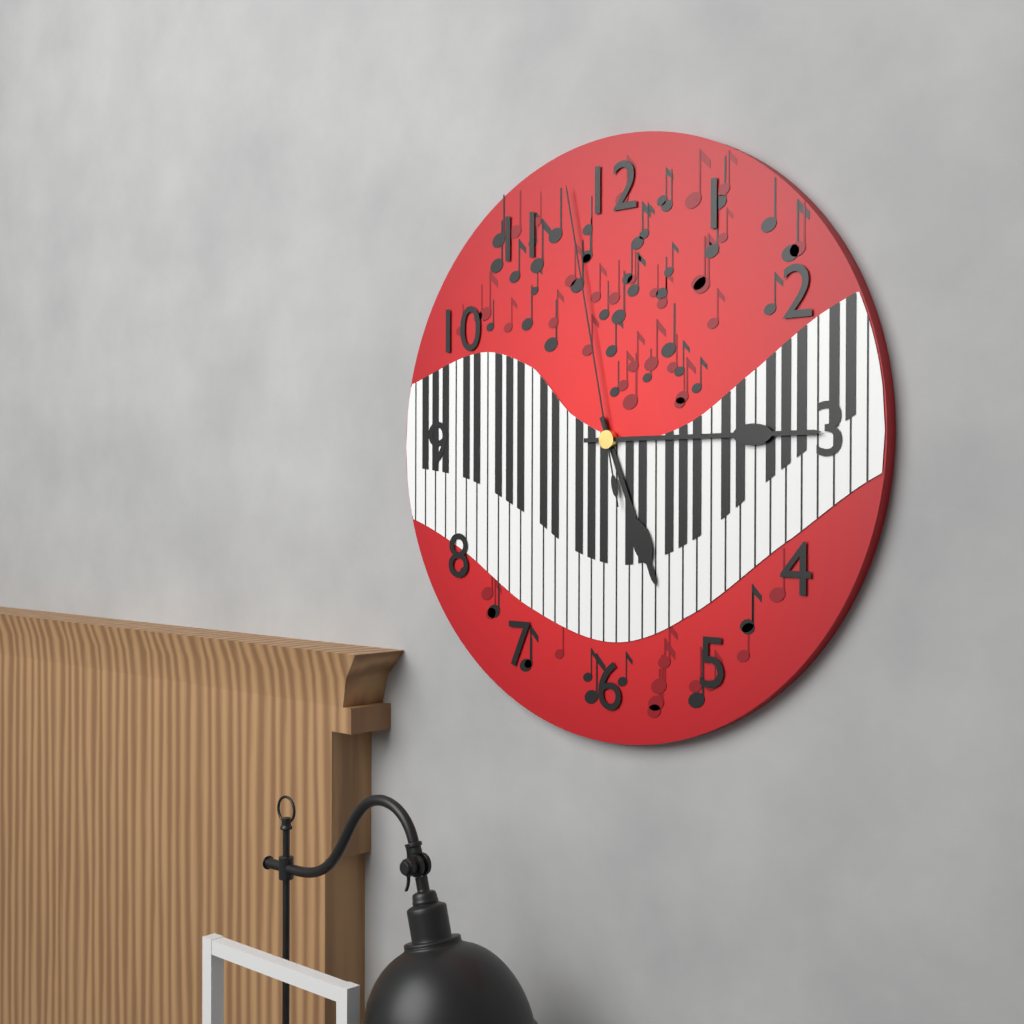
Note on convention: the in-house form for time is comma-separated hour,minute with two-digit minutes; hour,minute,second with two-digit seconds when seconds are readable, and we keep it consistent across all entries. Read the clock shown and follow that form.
5,15,58
